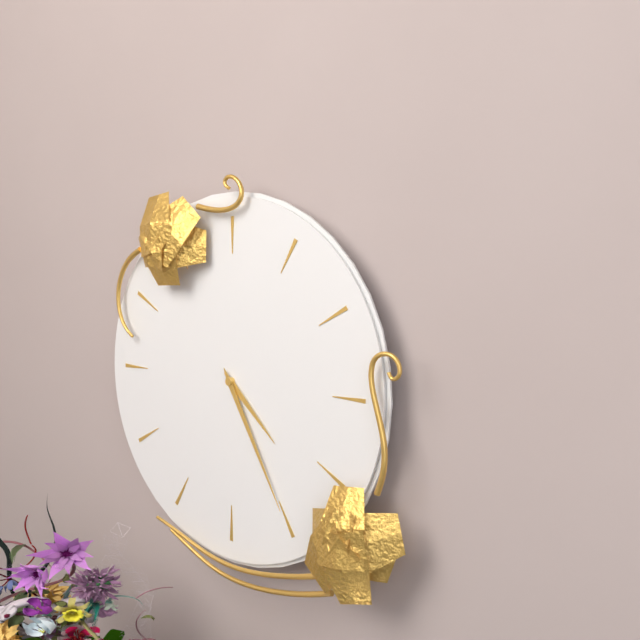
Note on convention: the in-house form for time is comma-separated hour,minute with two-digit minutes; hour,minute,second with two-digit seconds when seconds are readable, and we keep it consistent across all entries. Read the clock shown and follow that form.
4,25
